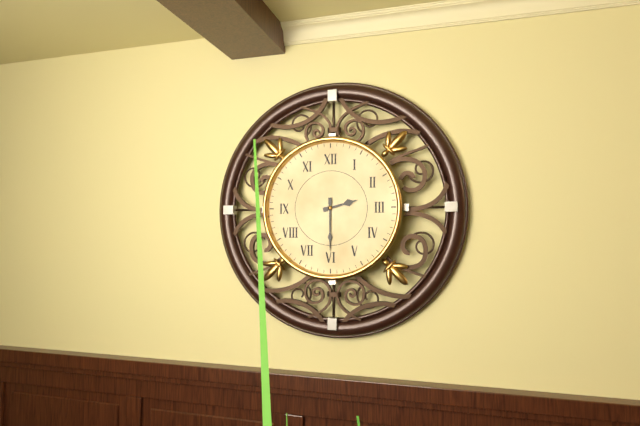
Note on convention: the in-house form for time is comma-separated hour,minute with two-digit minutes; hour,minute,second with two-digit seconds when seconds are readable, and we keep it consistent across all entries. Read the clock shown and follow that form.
2,30
